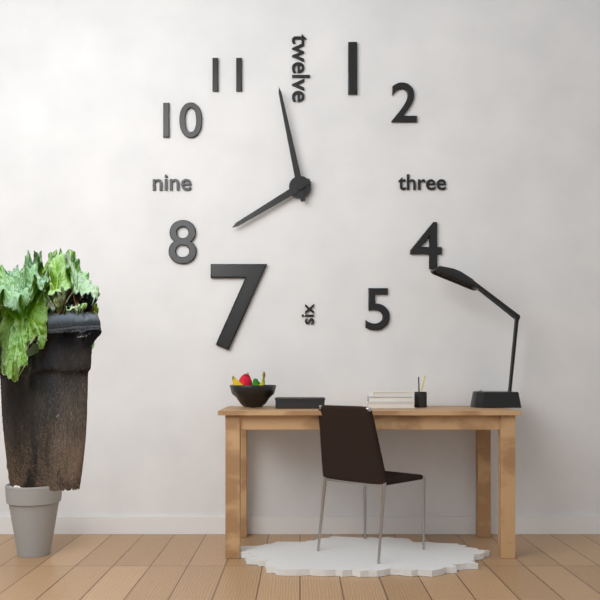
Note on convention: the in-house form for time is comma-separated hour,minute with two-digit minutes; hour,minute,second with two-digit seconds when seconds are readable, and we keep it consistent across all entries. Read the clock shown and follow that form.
7,58
